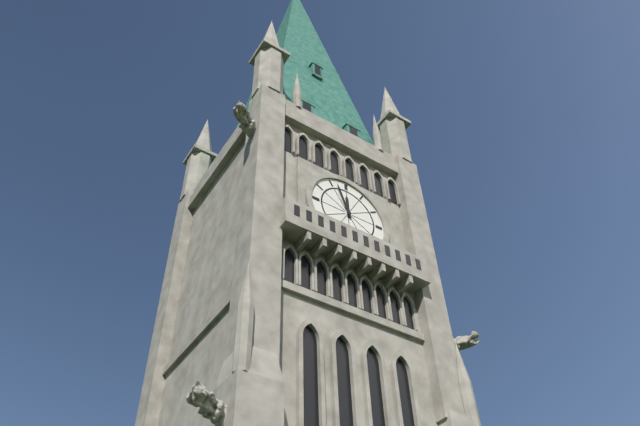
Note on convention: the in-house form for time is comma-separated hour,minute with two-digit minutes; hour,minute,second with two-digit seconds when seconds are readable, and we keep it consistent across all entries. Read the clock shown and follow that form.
11,57
